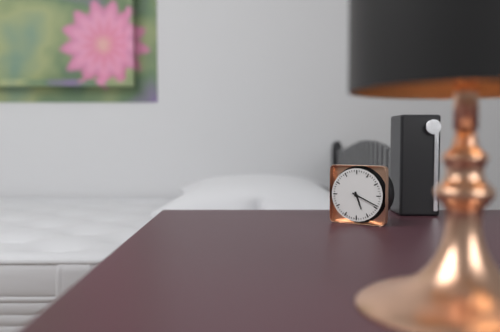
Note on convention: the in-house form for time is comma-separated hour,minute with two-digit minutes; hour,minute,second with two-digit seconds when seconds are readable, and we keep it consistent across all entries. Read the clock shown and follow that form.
5,19
